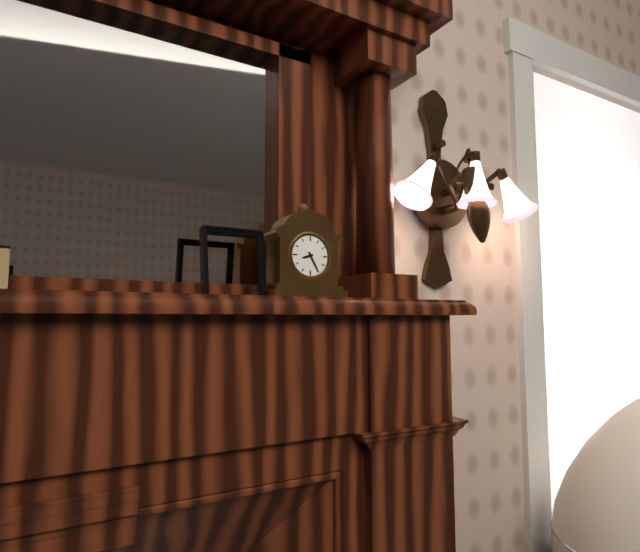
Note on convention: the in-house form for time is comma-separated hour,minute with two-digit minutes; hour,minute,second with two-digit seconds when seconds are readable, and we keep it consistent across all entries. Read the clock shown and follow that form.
8,25
